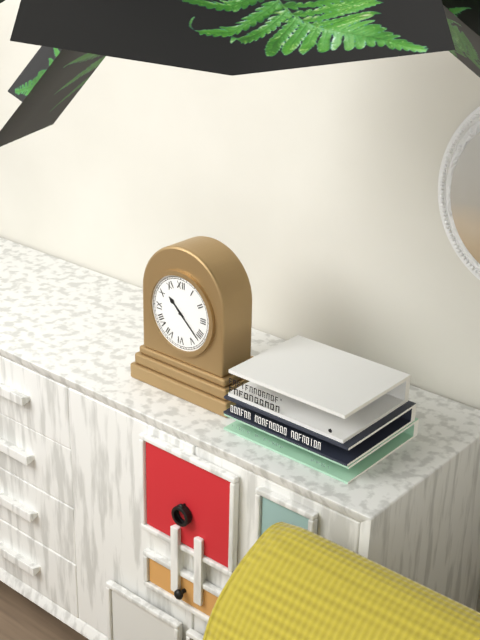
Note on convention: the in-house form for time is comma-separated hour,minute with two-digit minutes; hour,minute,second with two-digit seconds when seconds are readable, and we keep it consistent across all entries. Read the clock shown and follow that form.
10,22
